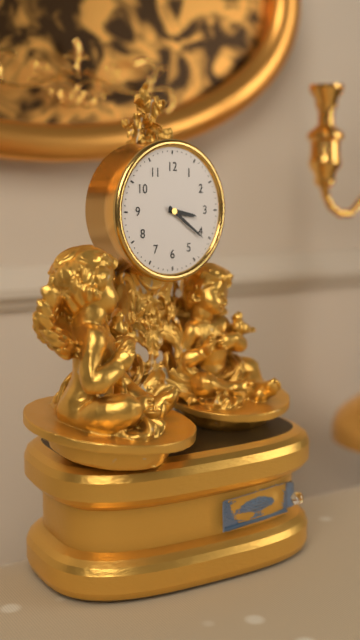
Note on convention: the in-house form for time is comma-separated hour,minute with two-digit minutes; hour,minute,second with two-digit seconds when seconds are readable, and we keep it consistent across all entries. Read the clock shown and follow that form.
3,21
